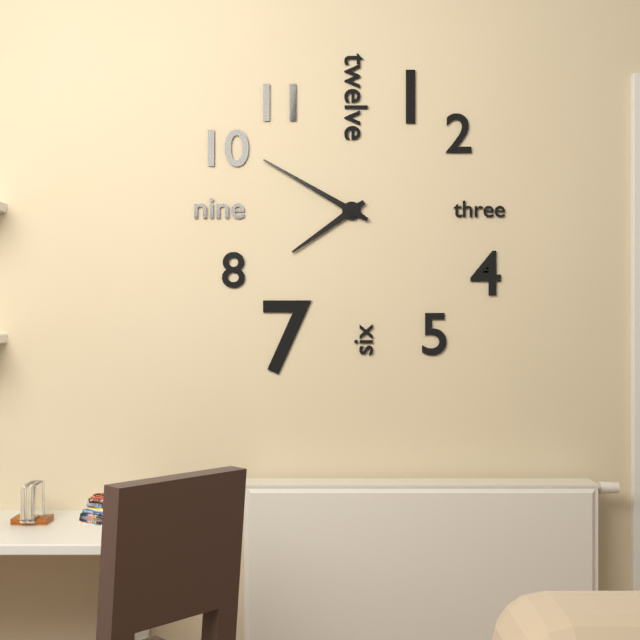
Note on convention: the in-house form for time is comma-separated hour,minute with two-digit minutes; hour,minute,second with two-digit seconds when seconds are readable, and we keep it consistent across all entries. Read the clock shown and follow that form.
7,50
